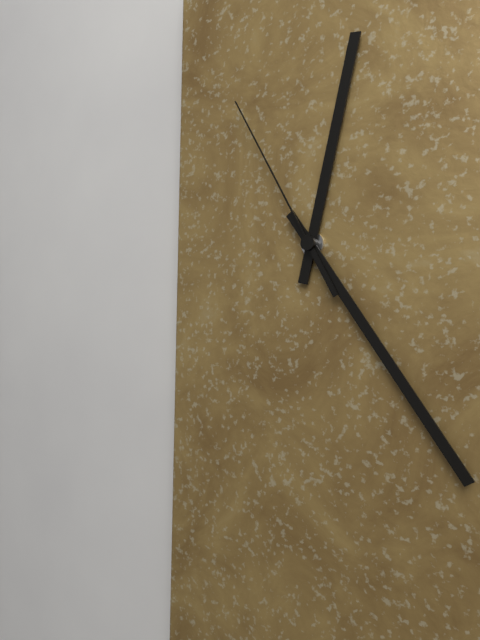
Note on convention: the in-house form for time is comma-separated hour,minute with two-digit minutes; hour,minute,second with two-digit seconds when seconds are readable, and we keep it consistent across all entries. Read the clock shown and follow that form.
12,24,55
